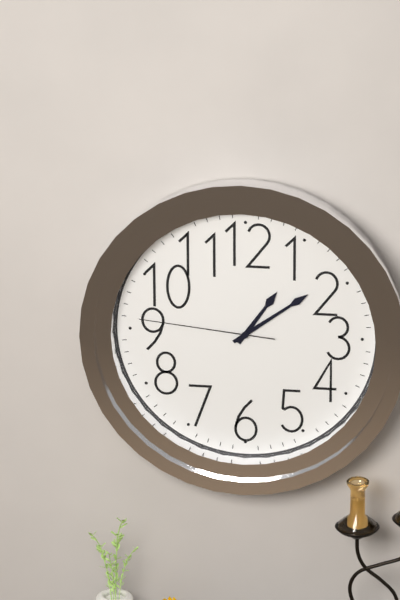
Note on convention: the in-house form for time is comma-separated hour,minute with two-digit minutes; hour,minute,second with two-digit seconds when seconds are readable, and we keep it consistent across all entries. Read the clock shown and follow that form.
1,09,46
